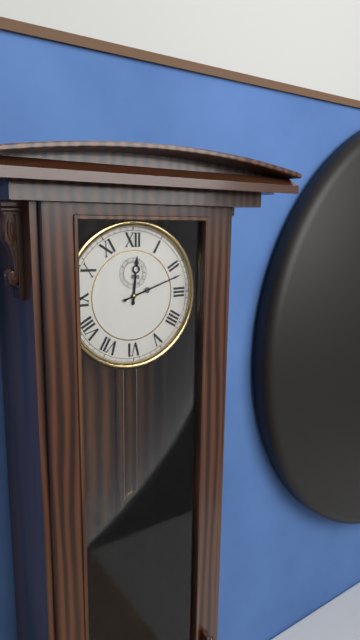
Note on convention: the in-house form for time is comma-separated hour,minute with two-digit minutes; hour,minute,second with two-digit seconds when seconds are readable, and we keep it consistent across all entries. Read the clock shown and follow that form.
12,12
